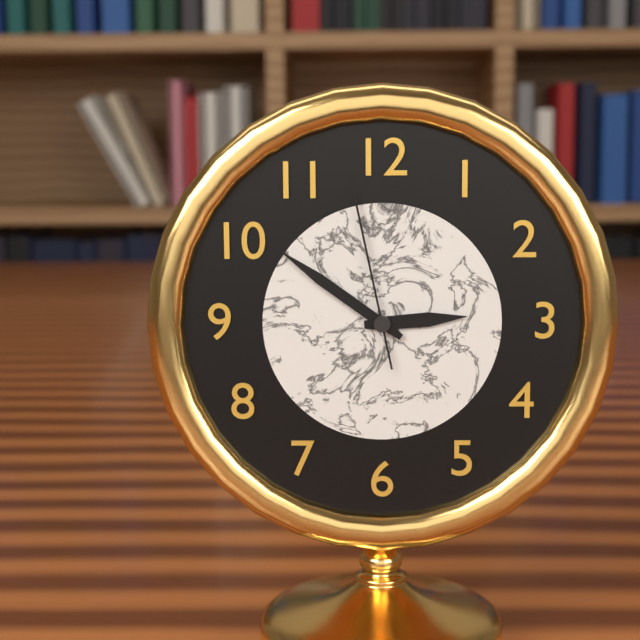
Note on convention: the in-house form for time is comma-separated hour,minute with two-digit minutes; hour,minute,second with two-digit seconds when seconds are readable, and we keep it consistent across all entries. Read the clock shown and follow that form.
2,51,58
